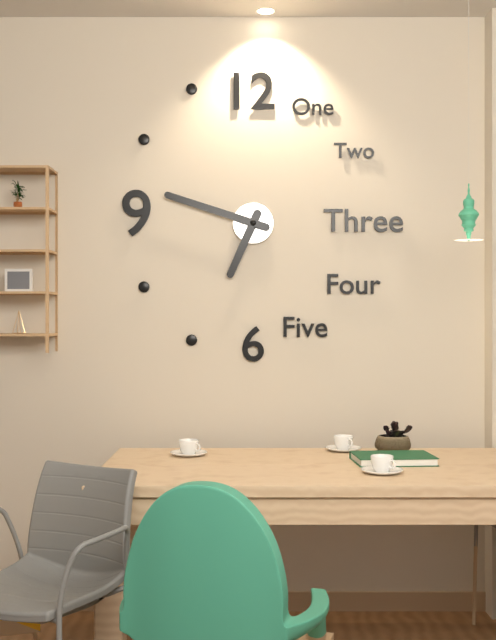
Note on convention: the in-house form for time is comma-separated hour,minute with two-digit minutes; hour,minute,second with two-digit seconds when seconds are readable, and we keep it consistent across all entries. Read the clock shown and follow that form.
6,48
